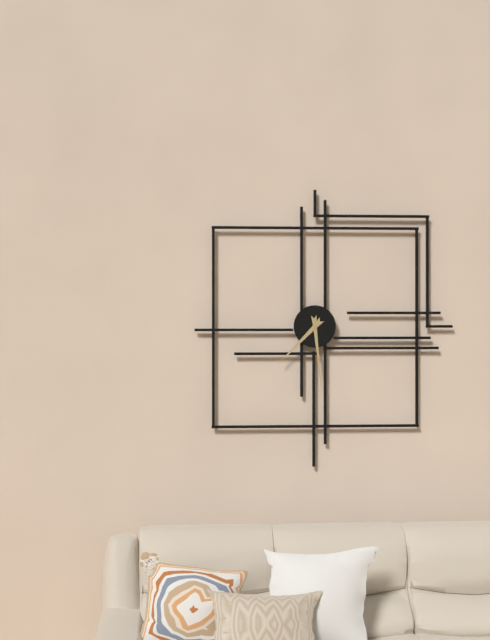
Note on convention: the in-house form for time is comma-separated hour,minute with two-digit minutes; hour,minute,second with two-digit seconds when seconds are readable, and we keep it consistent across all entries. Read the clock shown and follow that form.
7,29
